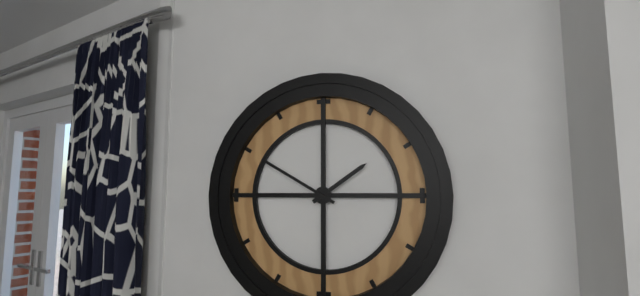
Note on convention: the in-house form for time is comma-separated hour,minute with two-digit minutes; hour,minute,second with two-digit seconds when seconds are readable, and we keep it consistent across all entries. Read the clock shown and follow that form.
1,50
